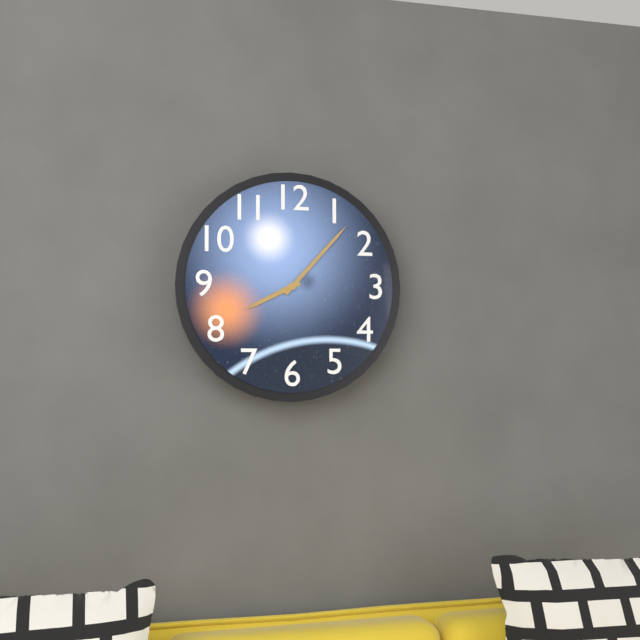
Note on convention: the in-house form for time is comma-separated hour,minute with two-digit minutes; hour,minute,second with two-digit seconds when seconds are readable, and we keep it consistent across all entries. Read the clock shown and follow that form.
8,07
